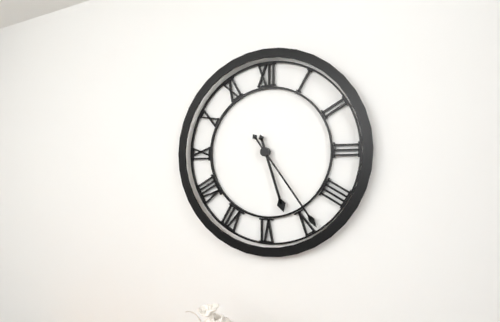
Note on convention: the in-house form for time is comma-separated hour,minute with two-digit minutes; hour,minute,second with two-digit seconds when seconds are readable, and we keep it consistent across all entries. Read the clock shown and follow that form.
5,24
